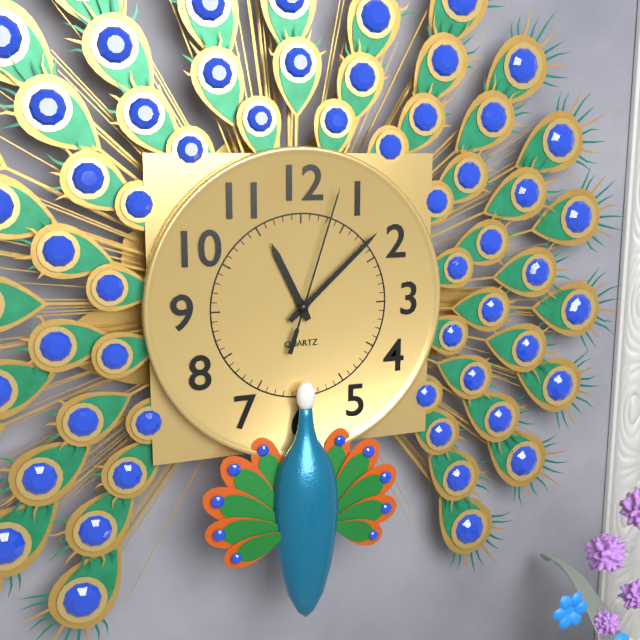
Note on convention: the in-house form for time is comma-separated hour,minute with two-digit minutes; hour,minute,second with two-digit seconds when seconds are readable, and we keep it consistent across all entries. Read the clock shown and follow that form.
11,08,03
